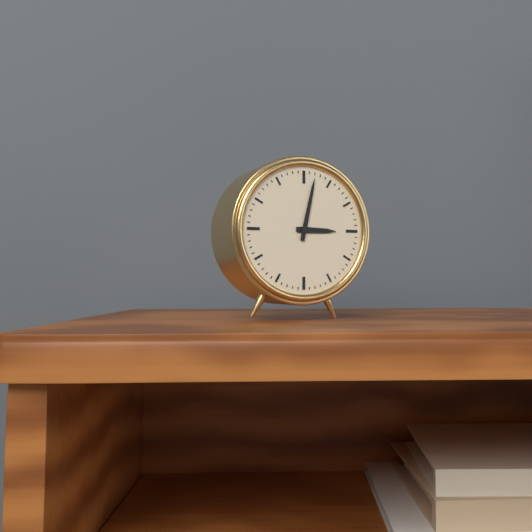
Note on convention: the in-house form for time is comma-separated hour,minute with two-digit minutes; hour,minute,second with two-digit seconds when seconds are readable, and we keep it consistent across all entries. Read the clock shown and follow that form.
3,02
